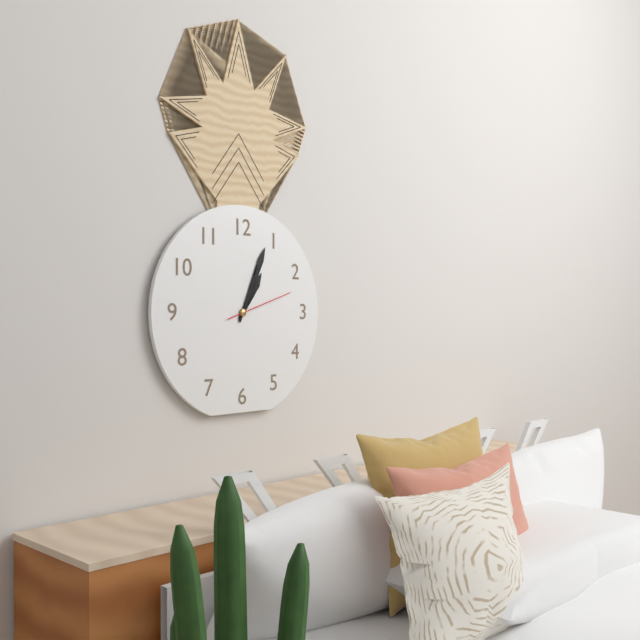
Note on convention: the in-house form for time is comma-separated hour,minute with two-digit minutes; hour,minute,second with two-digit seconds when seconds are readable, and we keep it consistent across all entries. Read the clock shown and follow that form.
1,04,12
